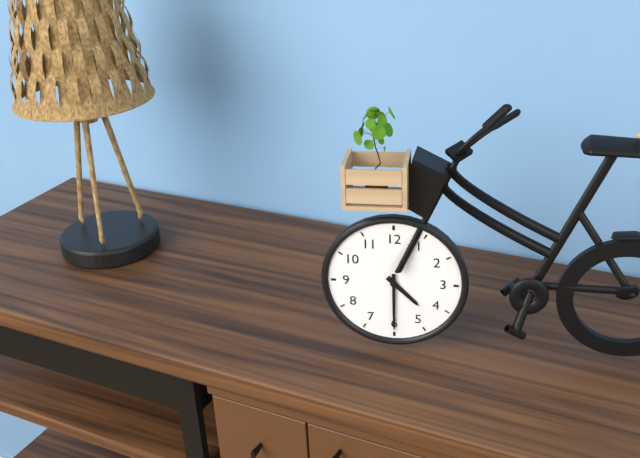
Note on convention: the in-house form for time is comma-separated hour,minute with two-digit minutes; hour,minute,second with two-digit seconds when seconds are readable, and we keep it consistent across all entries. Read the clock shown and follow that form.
4,30
